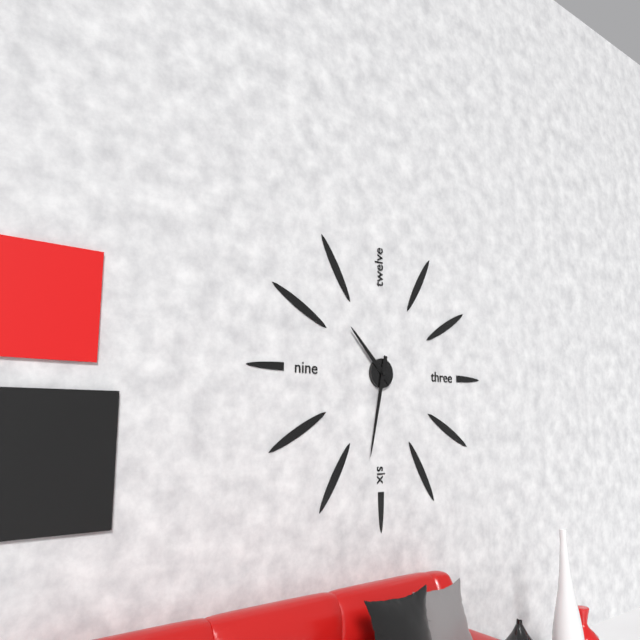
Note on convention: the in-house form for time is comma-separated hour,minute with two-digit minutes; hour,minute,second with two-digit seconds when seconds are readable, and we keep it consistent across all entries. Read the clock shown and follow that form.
10,32
